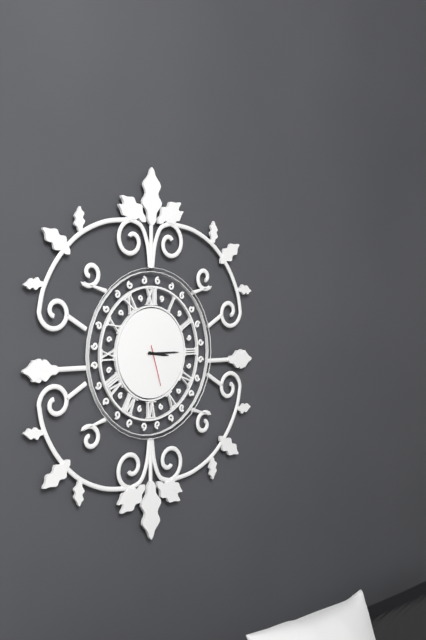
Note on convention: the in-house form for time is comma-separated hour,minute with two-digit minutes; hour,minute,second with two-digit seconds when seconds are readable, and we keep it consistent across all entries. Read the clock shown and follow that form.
3,15
